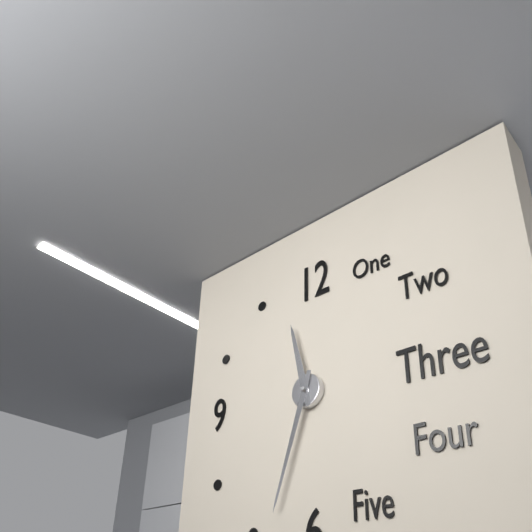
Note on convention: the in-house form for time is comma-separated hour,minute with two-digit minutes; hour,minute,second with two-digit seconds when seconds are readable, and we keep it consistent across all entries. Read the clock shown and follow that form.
11,33
